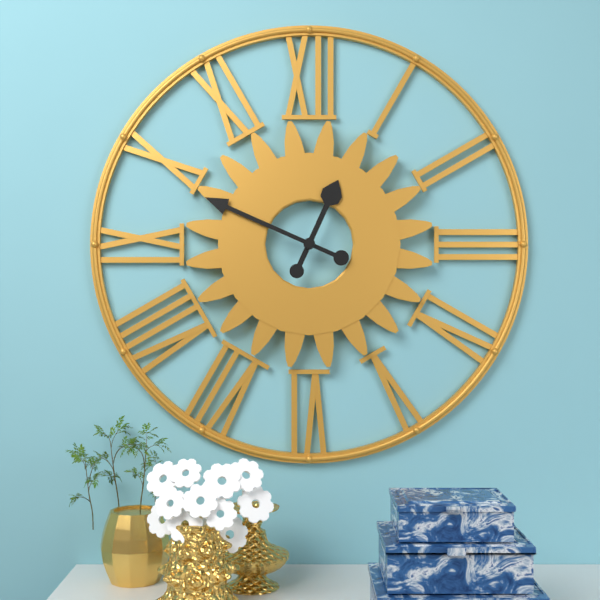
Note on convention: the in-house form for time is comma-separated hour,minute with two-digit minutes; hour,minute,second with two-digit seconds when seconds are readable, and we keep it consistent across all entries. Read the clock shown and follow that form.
12,49
